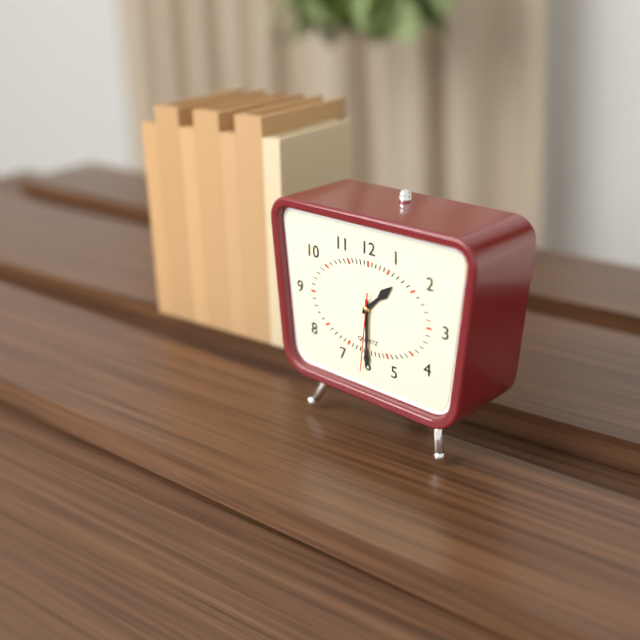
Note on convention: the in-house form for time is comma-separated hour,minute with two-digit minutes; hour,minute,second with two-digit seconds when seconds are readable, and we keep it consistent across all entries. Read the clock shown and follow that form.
1,30,31
